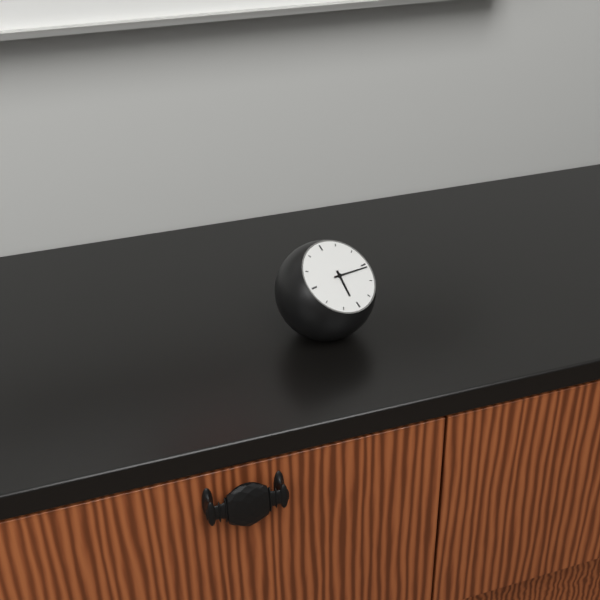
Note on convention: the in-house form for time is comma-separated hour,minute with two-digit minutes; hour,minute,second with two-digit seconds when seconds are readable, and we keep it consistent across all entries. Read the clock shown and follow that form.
6,16
